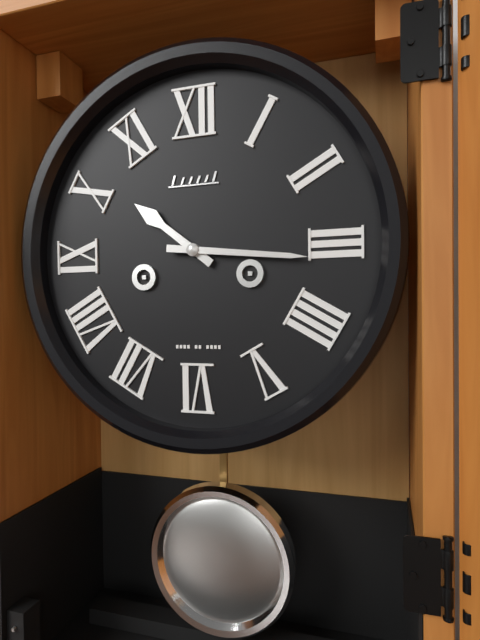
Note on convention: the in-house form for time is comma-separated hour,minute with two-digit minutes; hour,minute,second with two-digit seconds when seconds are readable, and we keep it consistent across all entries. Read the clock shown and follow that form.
10,16
